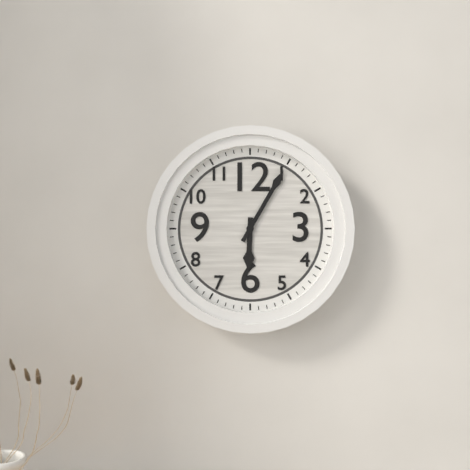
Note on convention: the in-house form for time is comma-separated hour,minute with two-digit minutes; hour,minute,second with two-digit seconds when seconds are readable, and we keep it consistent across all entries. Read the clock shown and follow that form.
6,05
